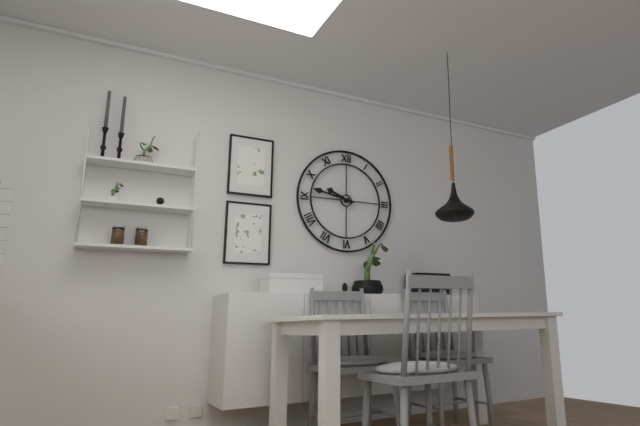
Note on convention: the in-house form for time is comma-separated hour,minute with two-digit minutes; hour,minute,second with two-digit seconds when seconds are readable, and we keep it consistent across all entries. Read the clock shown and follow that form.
9,47
